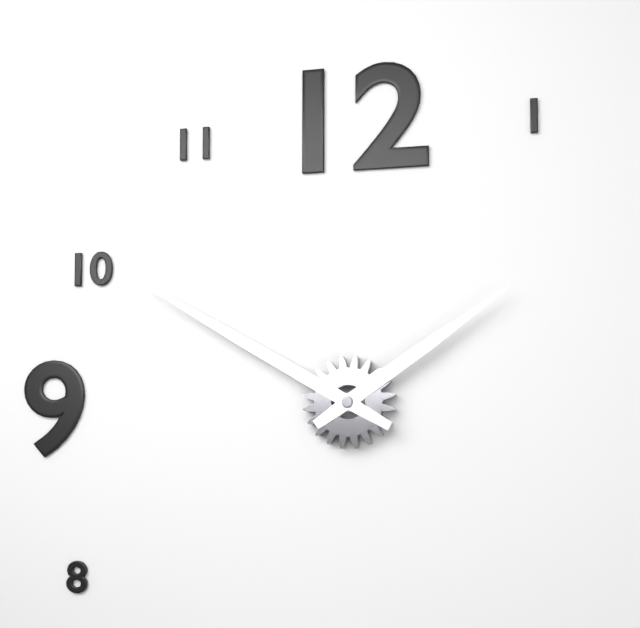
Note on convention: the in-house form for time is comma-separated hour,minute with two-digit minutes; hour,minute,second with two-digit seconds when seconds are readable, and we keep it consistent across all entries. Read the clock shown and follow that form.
1,50
